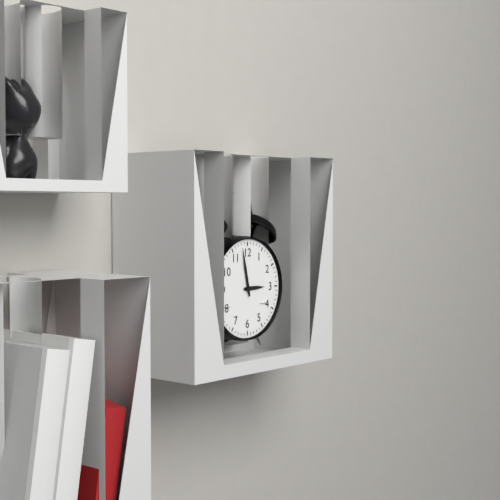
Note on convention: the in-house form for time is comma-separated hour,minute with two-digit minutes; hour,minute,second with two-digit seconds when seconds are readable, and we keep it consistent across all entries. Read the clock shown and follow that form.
2,58
